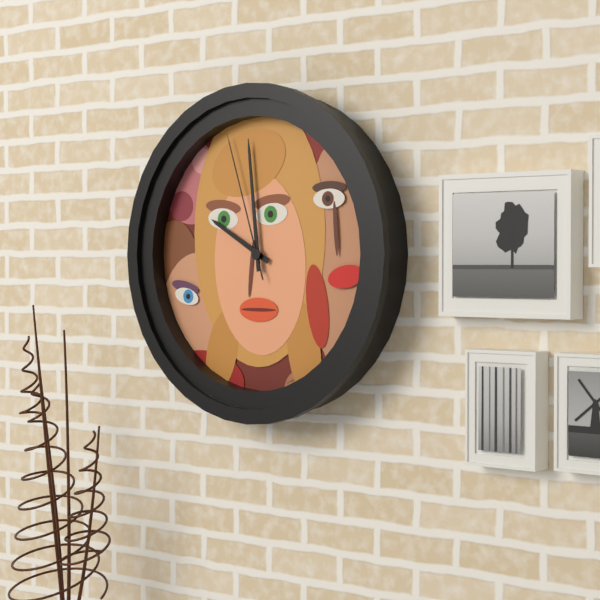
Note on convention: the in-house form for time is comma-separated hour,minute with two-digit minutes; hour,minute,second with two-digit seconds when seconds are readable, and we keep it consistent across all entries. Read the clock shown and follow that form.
9,59,57
